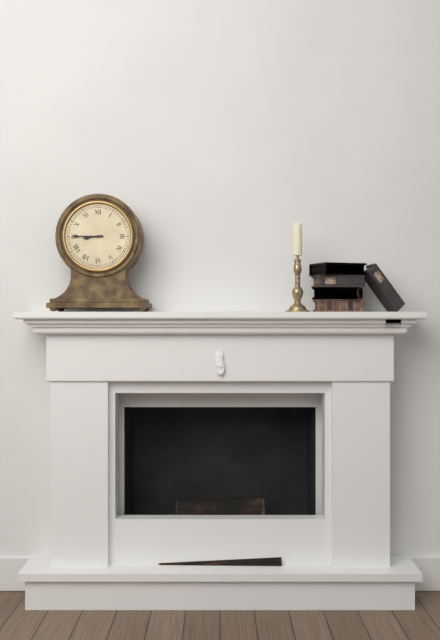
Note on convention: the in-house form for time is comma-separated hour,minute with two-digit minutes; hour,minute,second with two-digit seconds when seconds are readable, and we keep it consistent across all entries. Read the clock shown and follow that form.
8,45
